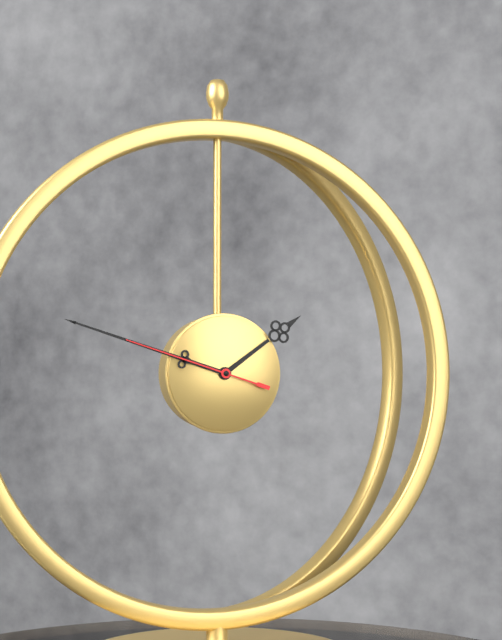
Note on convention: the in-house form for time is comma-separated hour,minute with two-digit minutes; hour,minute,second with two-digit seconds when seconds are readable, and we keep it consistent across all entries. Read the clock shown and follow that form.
1,48,48
